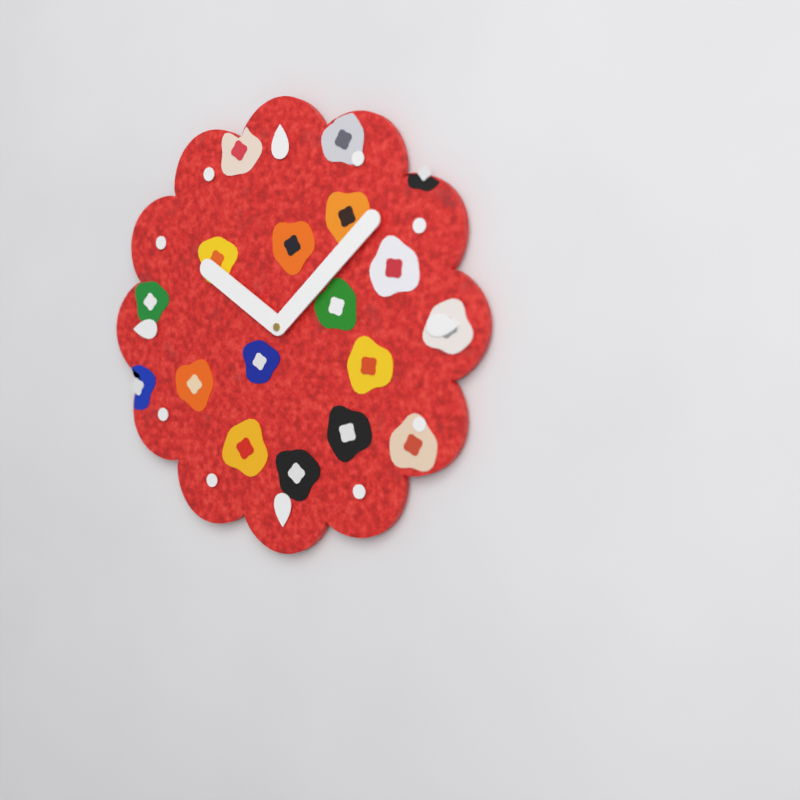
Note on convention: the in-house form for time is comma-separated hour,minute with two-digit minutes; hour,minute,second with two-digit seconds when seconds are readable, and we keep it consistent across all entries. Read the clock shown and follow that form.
10,08
